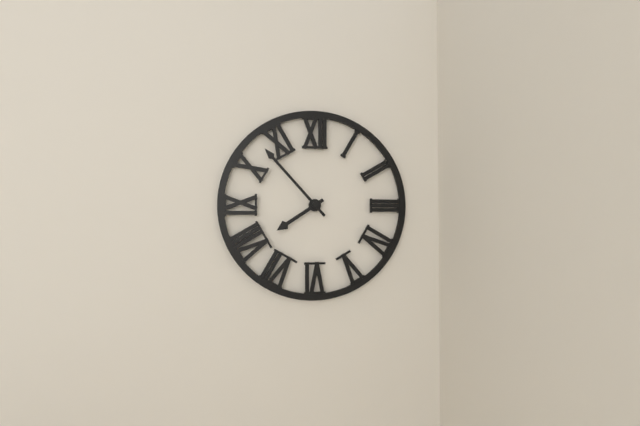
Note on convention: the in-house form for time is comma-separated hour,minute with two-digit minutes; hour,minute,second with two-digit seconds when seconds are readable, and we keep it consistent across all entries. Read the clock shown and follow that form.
7,53
